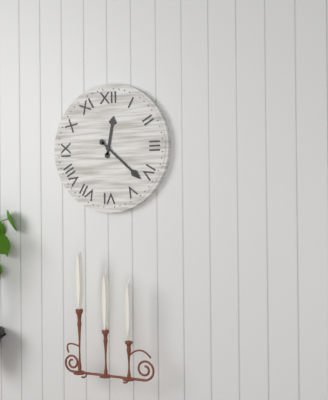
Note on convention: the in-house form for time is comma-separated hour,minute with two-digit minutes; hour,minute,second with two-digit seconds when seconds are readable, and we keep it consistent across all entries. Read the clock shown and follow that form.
12,22
